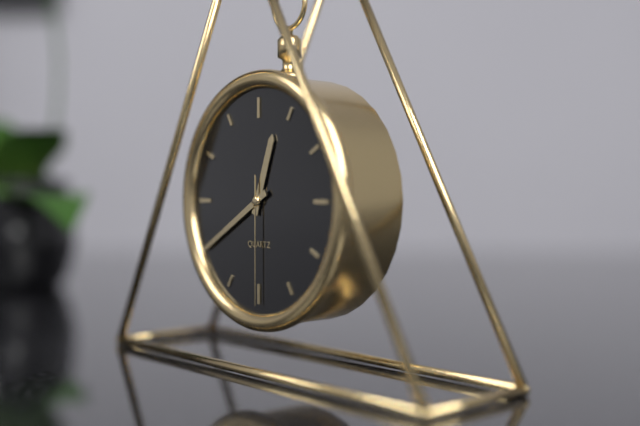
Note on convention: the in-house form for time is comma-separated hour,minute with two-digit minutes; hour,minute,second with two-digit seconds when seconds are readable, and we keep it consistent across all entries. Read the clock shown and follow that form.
12,40,30
